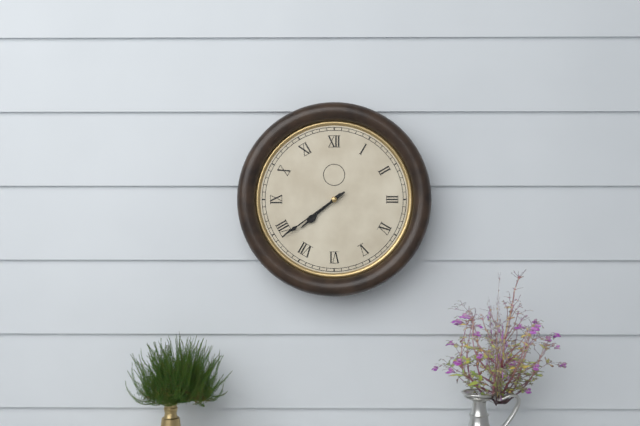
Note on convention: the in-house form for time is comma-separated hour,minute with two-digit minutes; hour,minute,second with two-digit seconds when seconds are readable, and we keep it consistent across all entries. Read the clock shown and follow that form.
7,39
